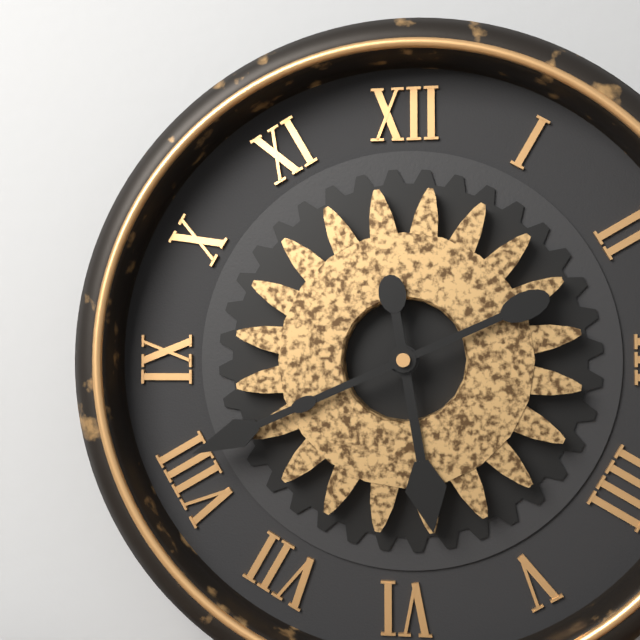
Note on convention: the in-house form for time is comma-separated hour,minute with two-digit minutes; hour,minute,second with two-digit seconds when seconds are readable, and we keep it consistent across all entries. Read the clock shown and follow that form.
5,41
